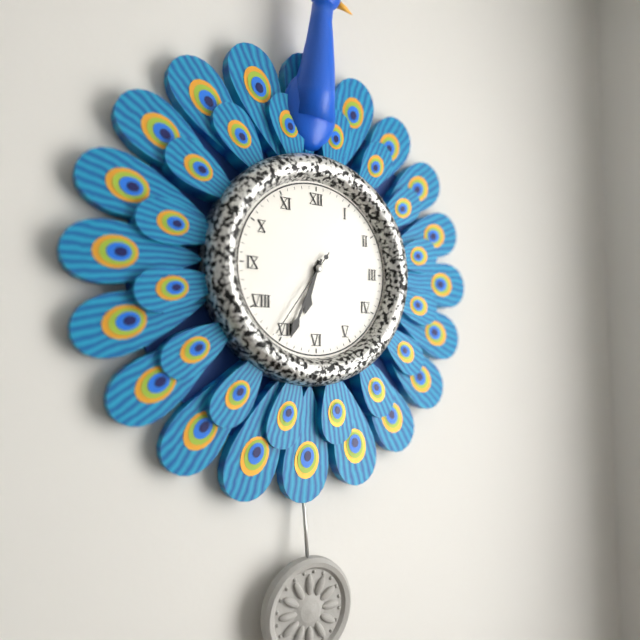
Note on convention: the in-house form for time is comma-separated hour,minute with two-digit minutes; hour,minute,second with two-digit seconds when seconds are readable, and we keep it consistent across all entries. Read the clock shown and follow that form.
6,34,36
